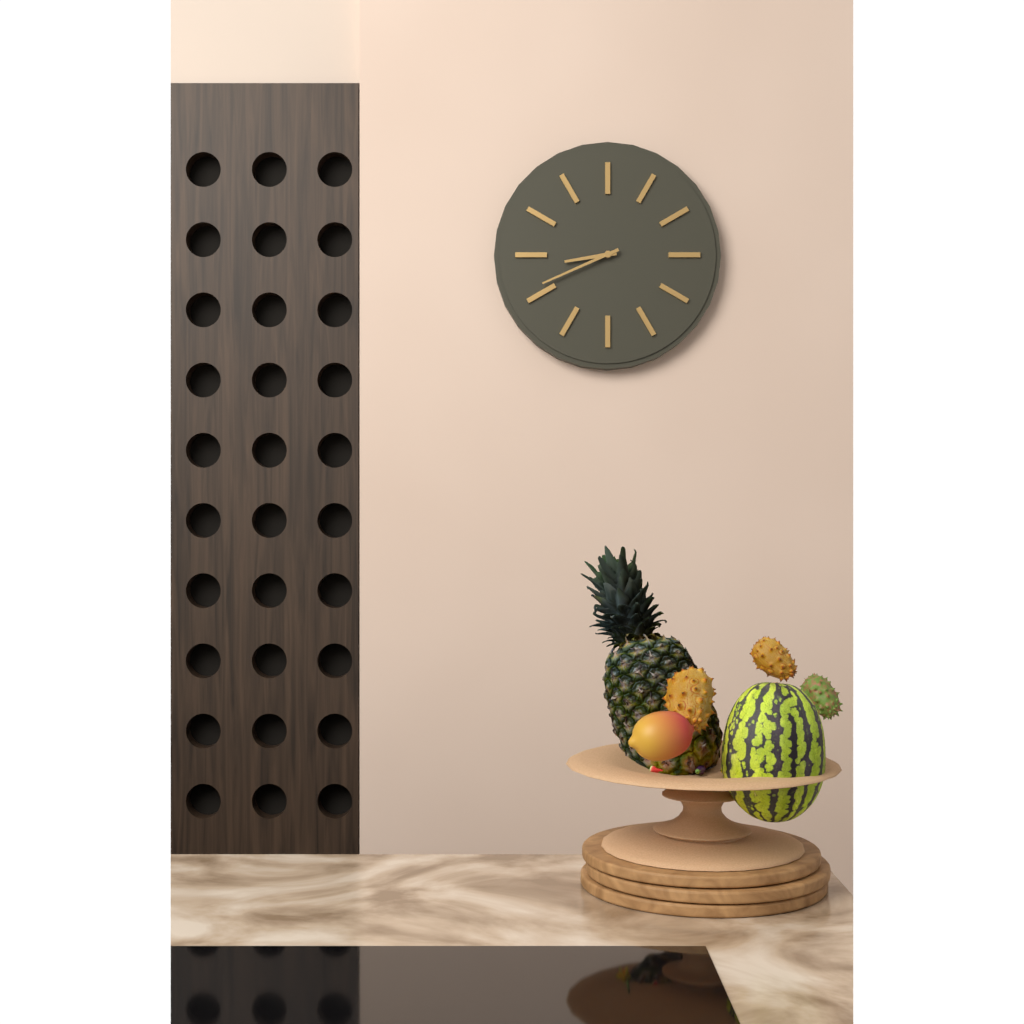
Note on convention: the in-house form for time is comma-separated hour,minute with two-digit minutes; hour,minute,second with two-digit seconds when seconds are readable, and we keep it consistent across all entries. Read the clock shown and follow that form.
8,41
